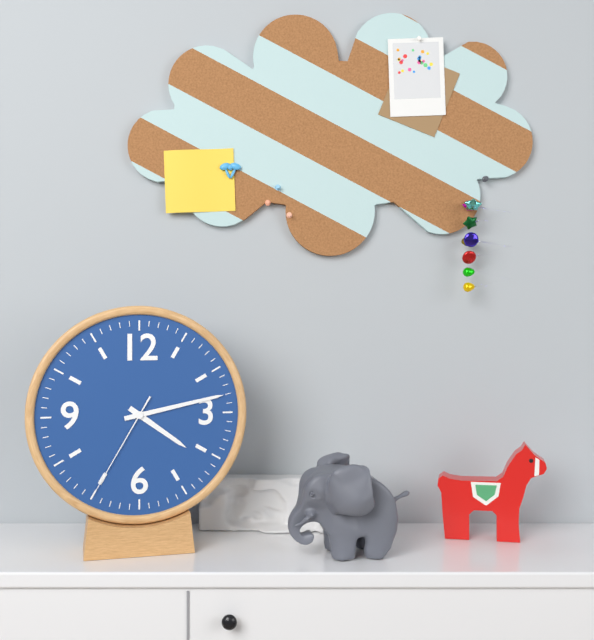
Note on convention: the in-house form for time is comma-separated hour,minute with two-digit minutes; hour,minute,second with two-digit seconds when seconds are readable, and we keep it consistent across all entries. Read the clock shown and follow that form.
4,13,35
